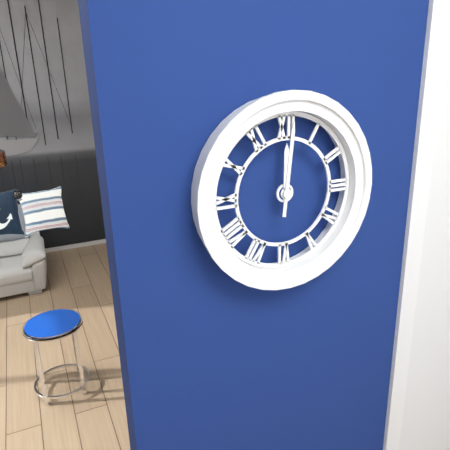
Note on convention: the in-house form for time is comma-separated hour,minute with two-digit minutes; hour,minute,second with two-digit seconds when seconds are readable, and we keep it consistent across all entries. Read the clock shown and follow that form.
12,01
